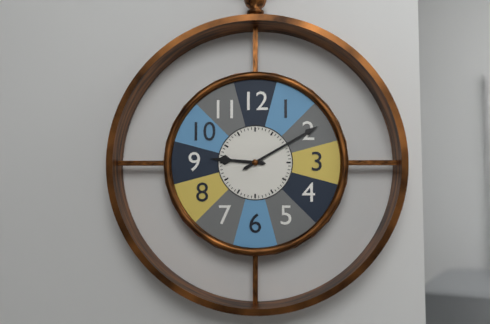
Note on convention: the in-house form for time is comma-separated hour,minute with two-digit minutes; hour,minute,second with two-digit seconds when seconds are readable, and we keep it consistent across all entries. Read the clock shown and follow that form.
9,10
